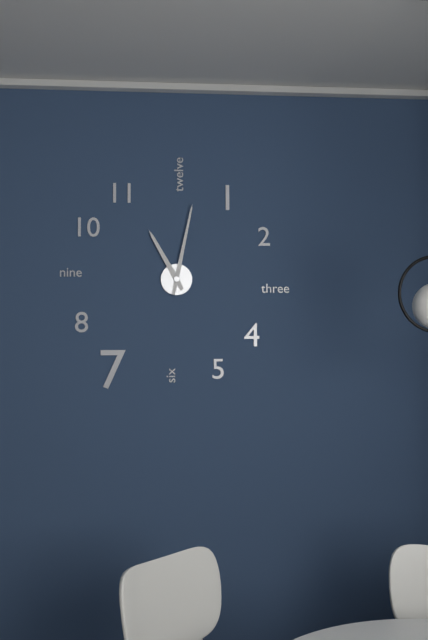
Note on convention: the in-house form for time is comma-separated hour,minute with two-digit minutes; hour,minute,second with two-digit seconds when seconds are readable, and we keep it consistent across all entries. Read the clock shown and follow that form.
11,02
